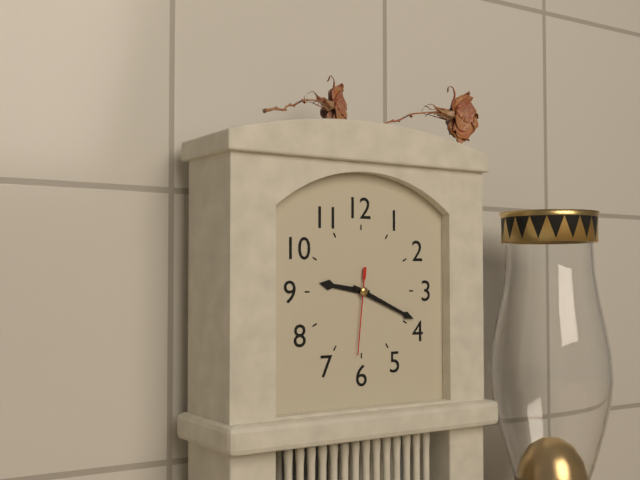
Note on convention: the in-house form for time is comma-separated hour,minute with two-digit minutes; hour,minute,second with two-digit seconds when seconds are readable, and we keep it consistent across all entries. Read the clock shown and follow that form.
9,19,31
